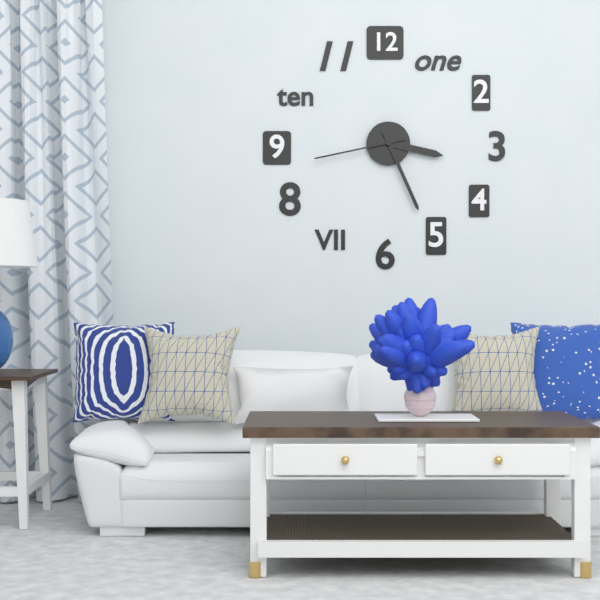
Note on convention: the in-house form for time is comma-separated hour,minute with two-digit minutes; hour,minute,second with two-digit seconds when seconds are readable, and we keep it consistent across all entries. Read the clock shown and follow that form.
3,26,43
